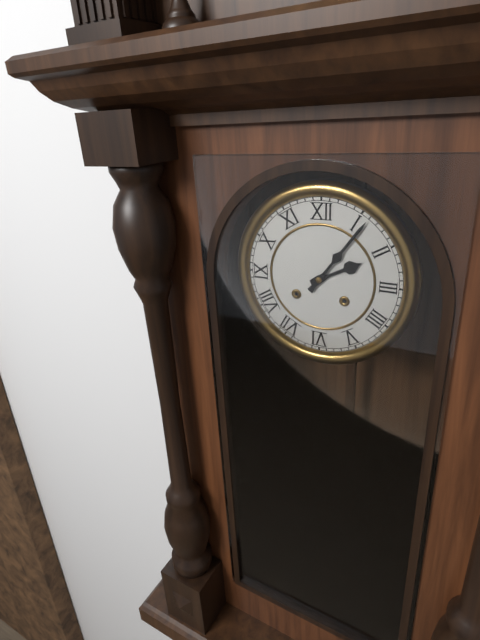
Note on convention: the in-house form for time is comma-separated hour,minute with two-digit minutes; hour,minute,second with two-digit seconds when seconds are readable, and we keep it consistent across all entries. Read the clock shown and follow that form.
2,06
